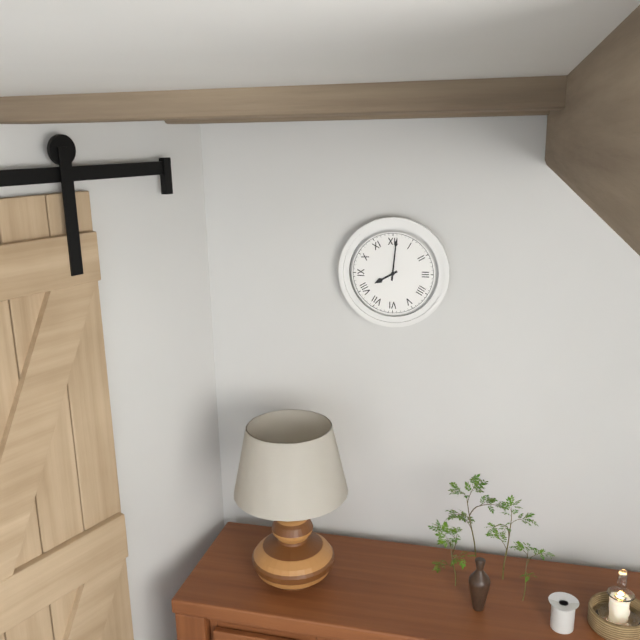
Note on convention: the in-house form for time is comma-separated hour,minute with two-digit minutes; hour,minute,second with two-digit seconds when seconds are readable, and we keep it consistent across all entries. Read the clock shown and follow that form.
8,01
